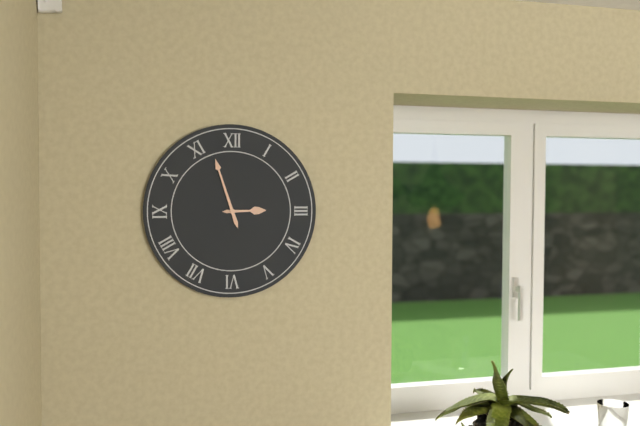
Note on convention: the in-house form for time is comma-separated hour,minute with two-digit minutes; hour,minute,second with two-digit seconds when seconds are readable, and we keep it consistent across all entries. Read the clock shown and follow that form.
2,57
